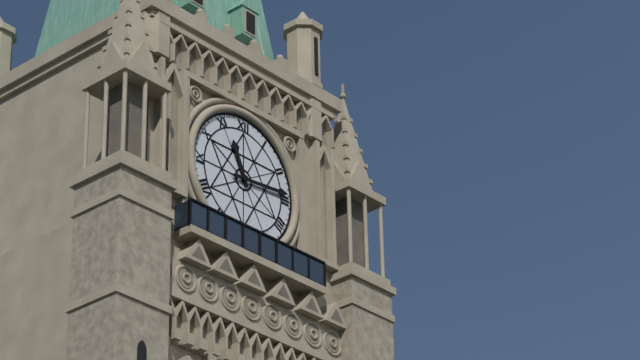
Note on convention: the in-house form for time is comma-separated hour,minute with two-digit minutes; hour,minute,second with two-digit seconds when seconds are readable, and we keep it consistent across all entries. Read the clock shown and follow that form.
11,14
